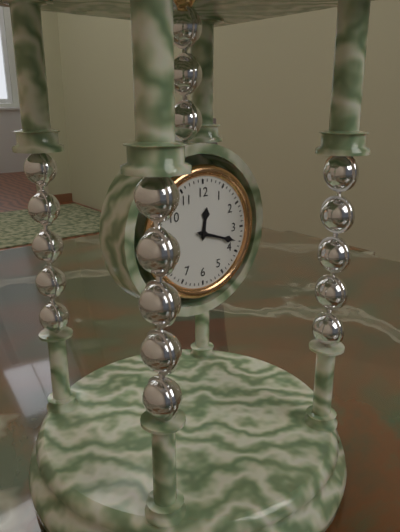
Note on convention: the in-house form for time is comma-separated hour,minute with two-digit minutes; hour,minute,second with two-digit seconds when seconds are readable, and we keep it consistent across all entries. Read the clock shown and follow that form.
12,18
